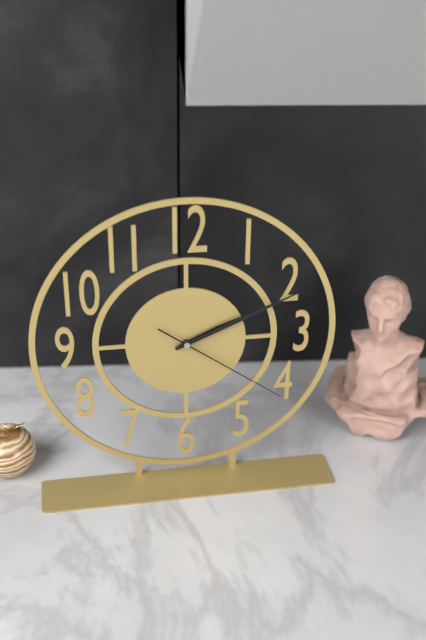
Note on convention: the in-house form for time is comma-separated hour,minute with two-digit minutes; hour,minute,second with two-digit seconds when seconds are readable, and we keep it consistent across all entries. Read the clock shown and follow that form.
2,11,21
